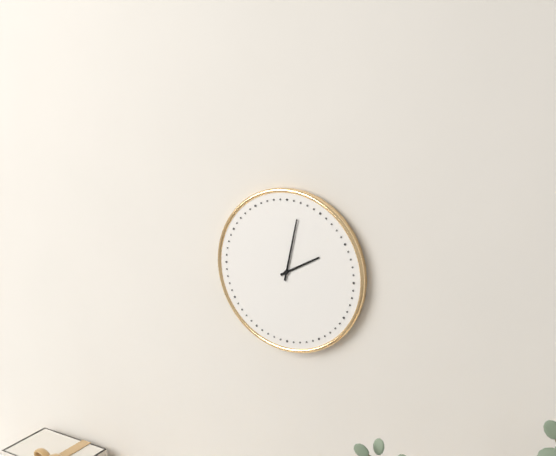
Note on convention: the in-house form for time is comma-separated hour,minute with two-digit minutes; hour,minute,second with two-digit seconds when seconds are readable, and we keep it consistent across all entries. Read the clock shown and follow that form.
2,02
